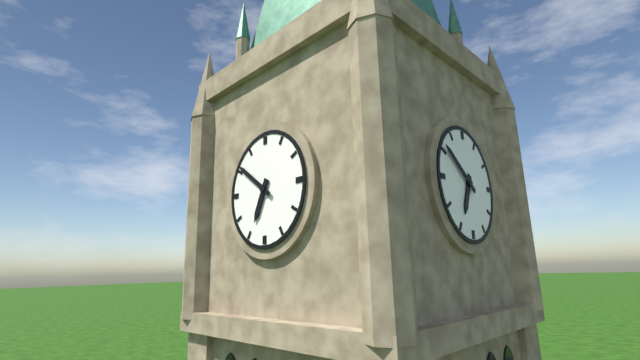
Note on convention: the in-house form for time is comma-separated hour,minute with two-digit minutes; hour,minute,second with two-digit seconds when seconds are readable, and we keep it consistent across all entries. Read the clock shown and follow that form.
6,51
